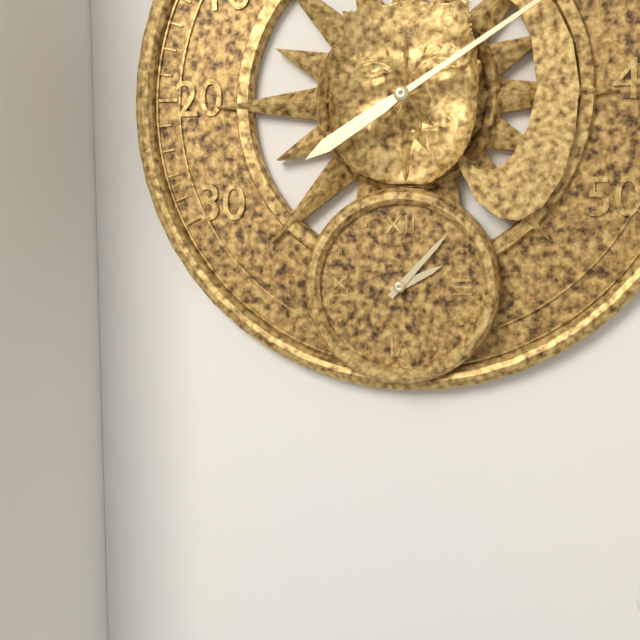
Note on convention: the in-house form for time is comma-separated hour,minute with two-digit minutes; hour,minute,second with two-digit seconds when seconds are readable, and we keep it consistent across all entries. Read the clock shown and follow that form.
2,07
